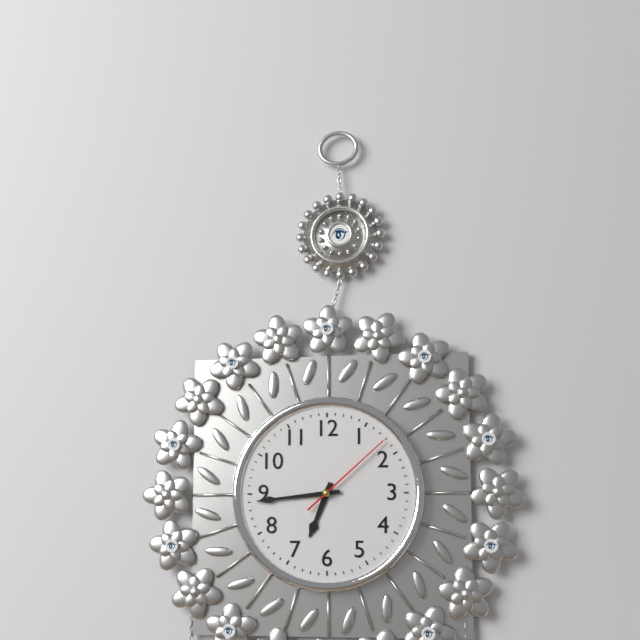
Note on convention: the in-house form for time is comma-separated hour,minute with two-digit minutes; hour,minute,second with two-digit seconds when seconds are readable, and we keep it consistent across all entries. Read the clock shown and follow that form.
6,44,08
